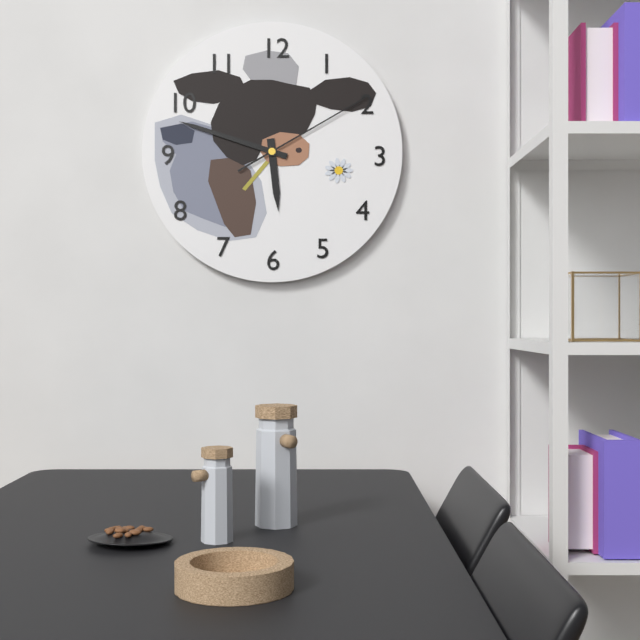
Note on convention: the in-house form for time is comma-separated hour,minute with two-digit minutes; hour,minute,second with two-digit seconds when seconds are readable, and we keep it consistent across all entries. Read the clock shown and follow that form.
5,48,10
